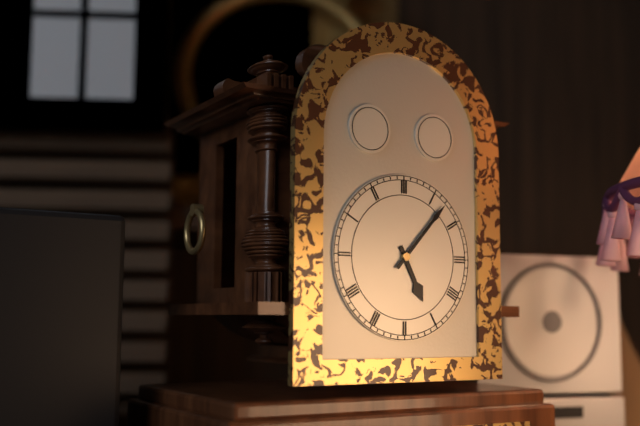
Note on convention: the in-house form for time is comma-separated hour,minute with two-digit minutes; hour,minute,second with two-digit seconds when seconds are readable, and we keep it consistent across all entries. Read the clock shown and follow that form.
5,07
